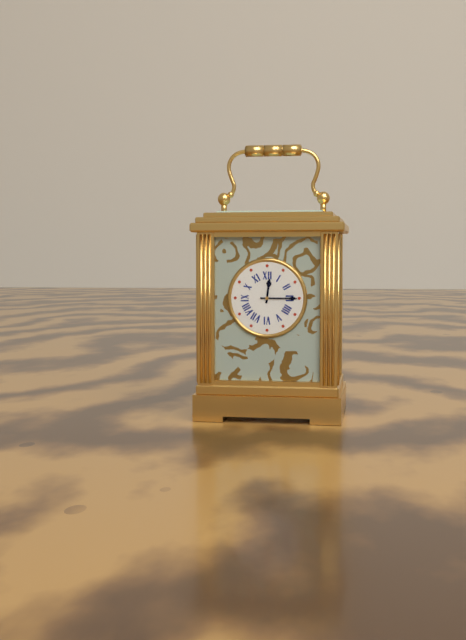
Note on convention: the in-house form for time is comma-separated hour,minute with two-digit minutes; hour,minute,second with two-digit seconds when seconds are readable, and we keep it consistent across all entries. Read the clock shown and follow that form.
12,15
